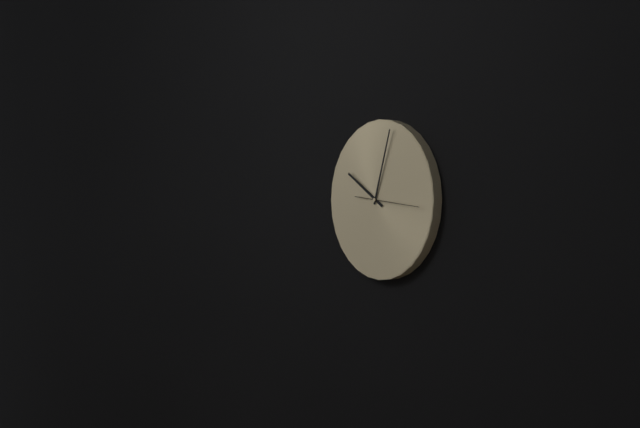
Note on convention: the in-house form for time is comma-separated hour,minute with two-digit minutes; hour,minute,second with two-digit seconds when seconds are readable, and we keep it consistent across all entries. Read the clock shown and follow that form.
10,03,16
